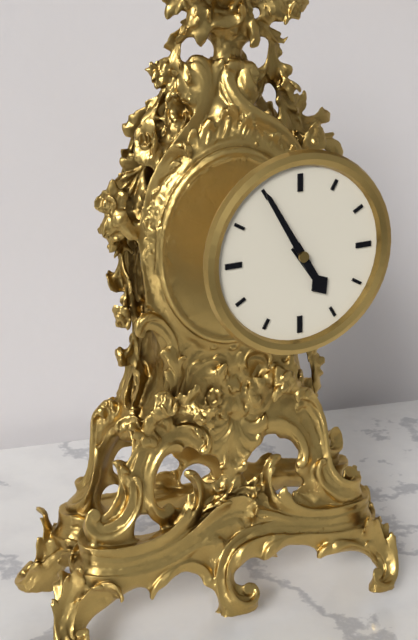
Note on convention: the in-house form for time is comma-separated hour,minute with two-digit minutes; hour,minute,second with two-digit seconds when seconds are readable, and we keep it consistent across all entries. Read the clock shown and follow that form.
4,55
